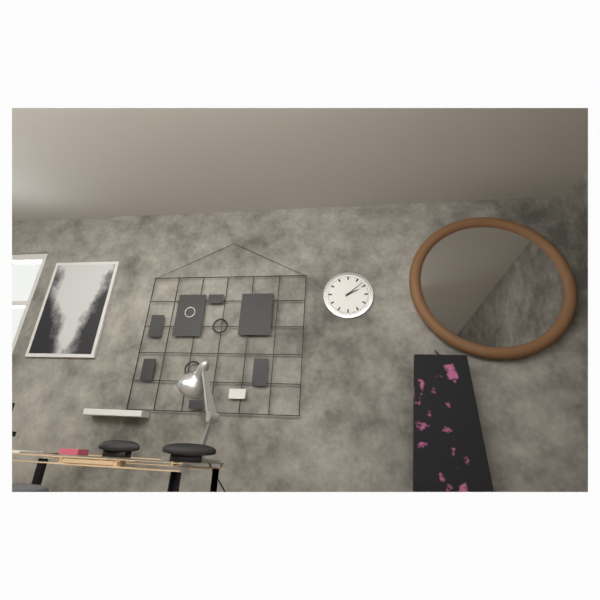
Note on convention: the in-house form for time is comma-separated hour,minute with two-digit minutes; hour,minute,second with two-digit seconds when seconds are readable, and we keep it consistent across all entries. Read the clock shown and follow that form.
2,08
